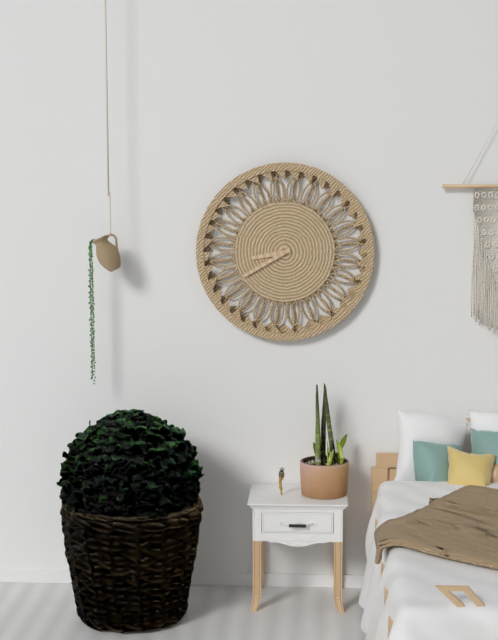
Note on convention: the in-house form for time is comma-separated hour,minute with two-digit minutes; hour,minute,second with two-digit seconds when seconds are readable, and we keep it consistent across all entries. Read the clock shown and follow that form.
8,40
